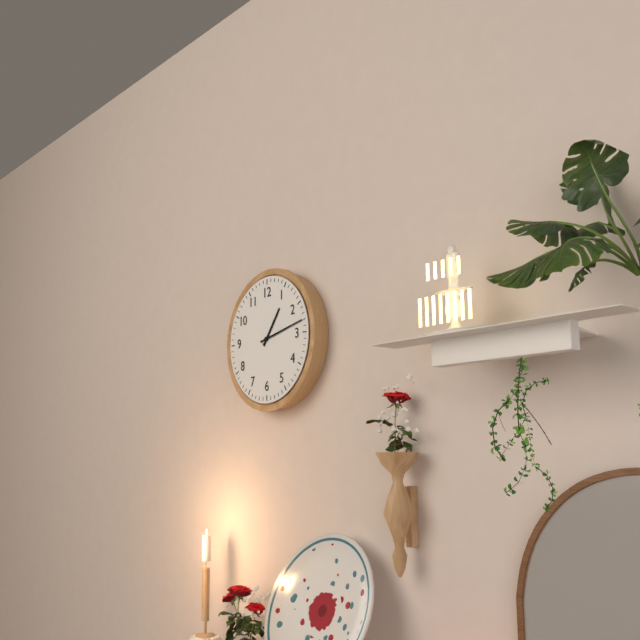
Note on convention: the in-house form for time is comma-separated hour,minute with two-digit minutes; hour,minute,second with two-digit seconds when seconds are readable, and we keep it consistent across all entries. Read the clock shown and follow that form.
1,13
